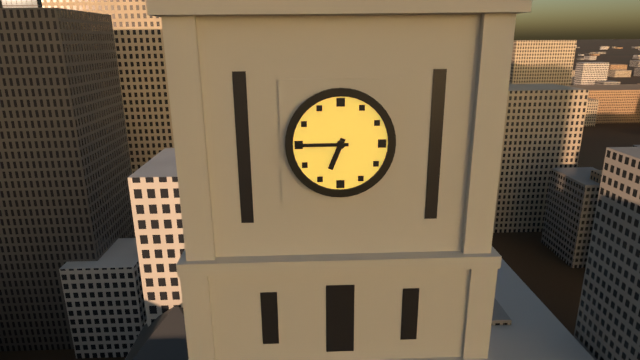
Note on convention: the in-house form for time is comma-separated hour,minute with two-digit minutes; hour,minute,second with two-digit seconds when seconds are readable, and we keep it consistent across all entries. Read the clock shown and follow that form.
6,45
